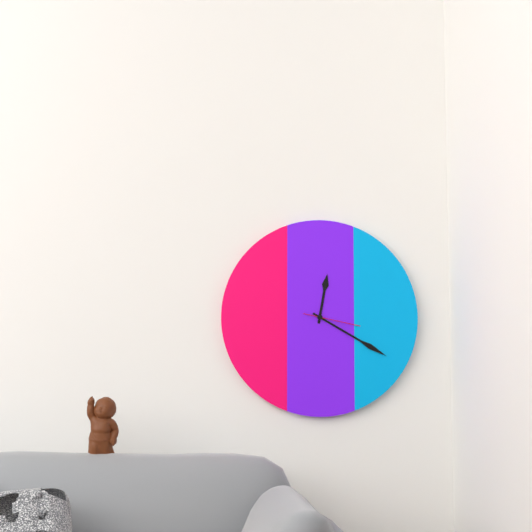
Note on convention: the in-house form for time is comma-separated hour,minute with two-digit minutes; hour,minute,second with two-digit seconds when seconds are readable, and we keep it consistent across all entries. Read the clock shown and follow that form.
12,20,17
